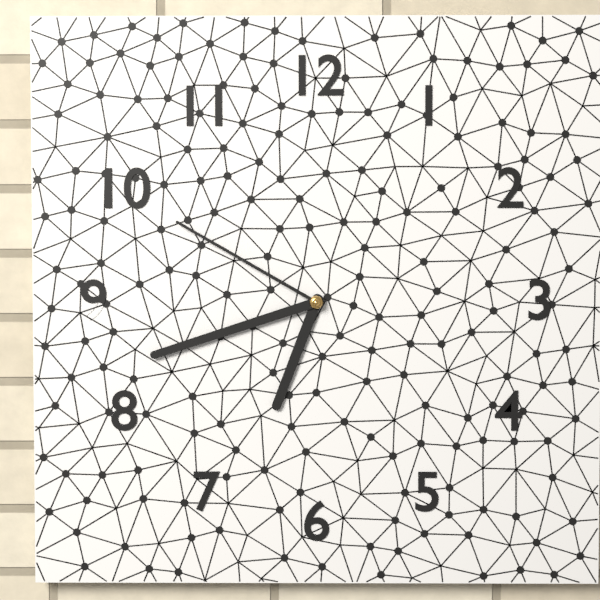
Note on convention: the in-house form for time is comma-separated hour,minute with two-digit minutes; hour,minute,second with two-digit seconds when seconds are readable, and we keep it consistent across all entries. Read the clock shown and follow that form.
6,42,50
